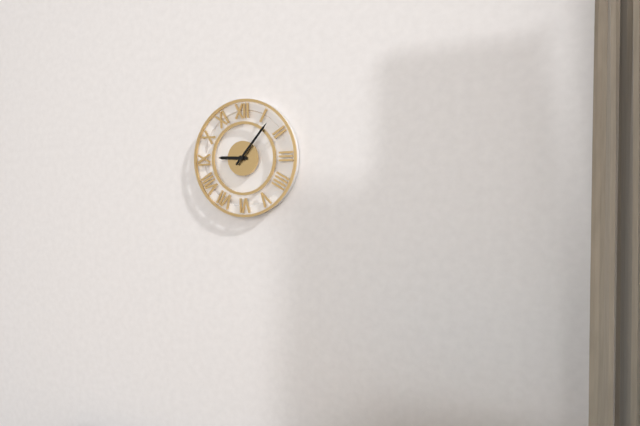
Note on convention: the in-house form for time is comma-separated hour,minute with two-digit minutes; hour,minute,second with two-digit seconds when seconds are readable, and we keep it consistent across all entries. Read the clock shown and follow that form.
9,07
